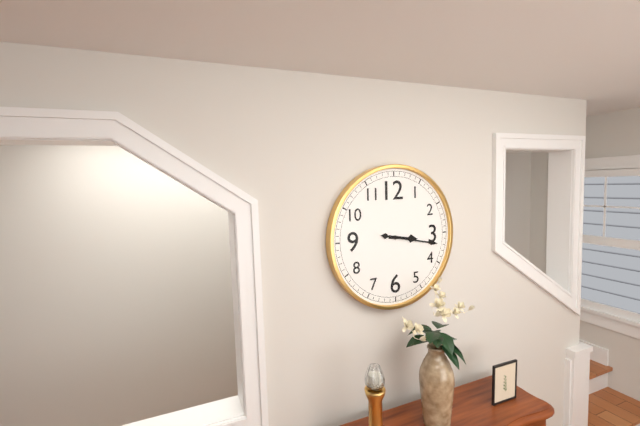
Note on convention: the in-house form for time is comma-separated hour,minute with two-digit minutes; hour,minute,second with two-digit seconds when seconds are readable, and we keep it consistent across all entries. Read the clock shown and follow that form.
3,17
